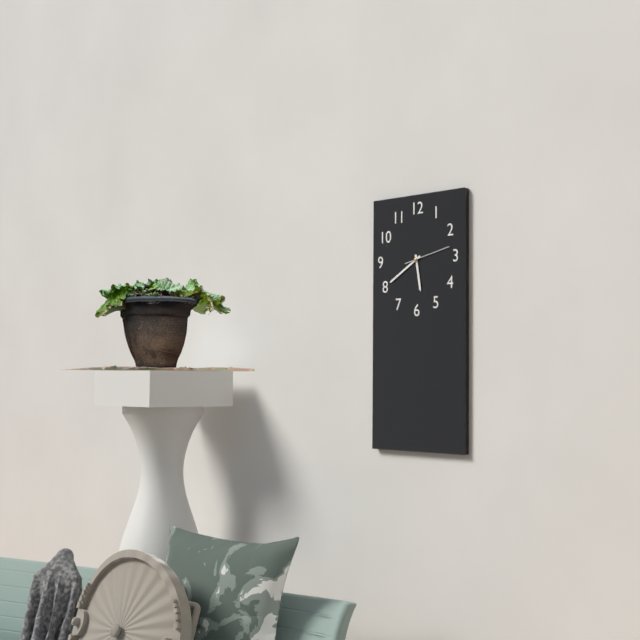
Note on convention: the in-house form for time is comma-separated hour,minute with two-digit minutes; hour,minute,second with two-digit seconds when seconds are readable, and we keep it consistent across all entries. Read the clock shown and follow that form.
5,40
